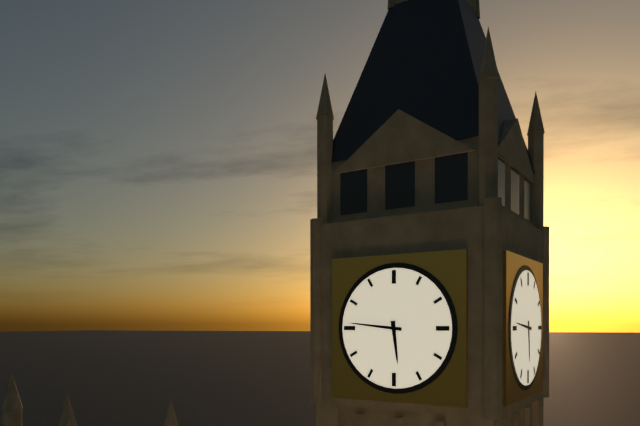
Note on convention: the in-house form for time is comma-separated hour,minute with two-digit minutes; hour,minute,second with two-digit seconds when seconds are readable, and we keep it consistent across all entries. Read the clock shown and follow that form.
5,46
